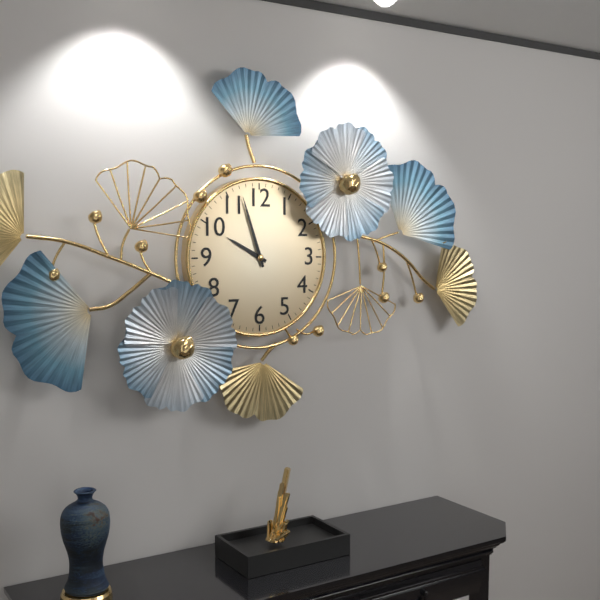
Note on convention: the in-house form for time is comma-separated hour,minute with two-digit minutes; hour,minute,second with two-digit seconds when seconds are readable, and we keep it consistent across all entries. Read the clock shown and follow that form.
9,57
